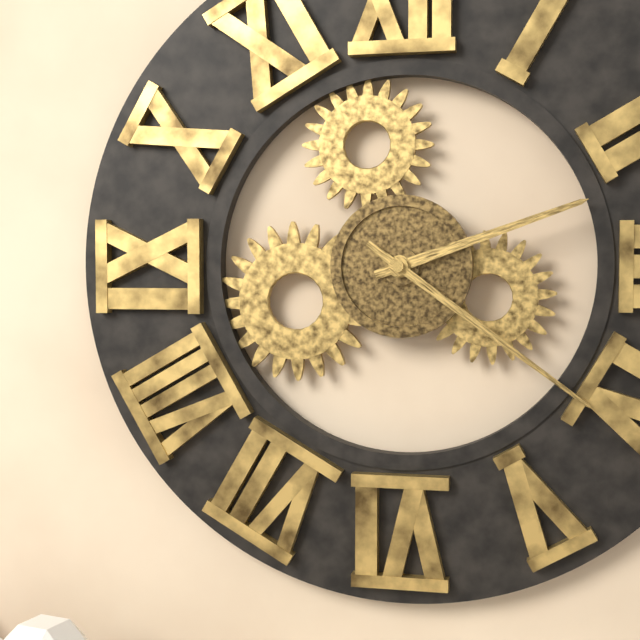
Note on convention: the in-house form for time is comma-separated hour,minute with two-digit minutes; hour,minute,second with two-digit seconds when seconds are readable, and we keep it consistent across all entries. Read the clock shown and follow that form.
2,21
